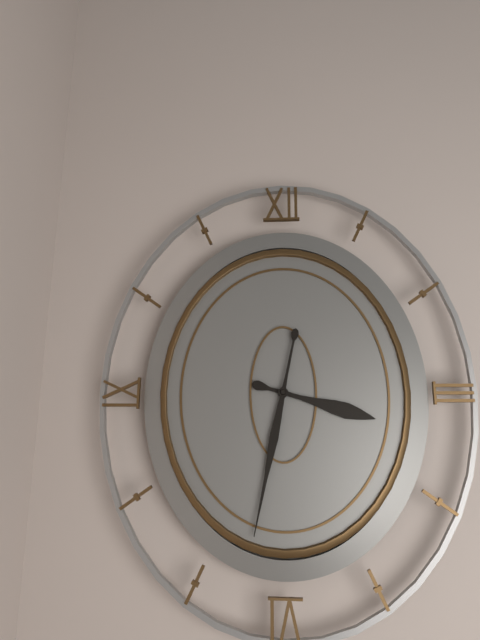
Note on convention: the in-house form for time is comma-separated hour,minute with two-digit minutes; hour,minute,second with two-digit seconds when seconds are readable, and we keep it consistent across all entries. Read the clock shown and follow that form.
3,32
